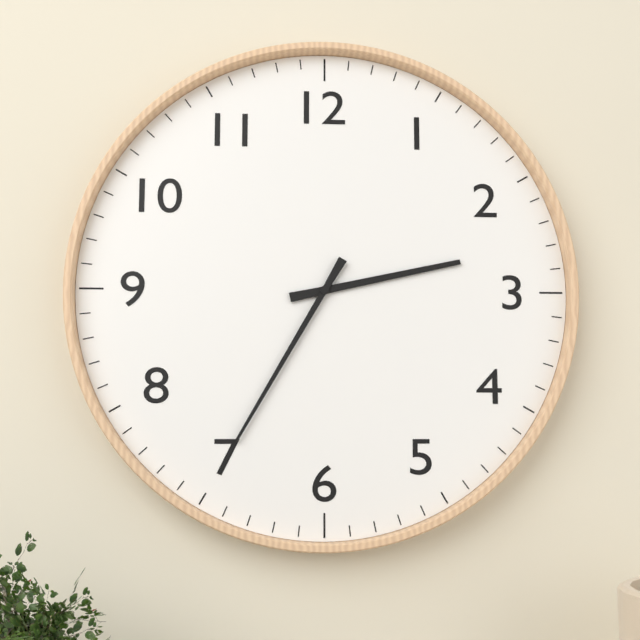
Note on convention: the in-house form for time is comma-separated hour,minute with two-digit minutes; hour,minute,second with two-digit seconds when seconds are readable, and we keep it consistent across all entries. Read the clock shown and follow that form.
2,35
